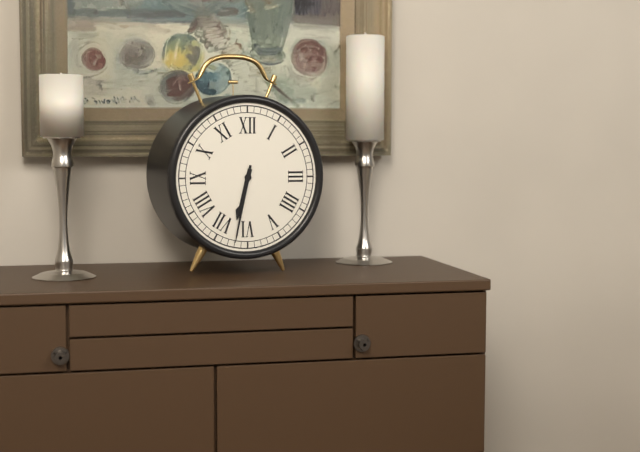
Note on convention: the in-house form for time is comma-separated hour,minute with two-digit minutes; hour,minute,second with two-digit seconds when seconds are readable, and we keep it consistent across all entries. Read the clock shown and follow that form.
6,32
